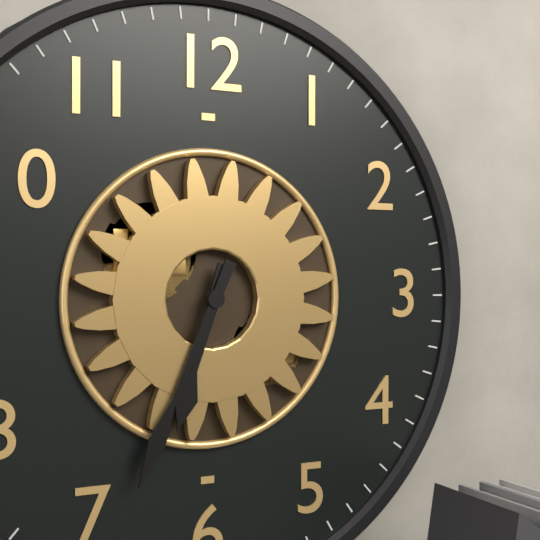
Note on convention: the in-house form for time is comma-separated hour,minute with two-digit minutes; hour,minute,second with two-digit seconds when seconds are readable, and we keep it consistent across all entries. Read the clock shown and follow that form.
6,34
